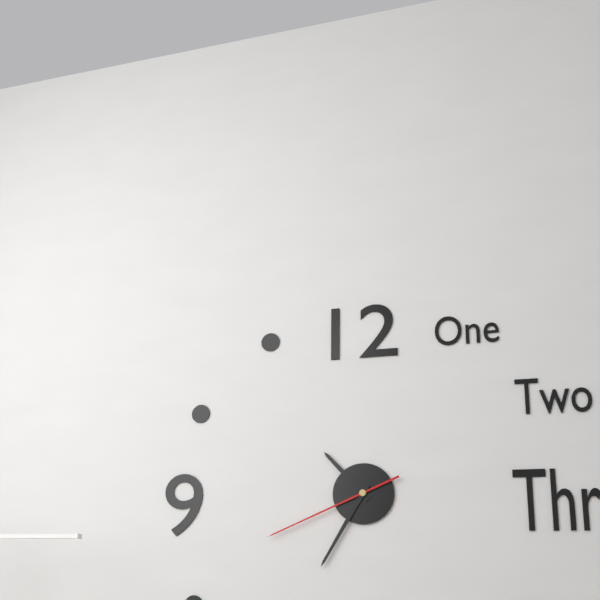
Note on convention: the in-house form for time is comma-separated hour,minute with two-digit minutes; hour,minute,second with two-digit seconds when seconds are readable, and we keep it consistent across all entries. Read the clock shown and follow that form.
10,35,41
